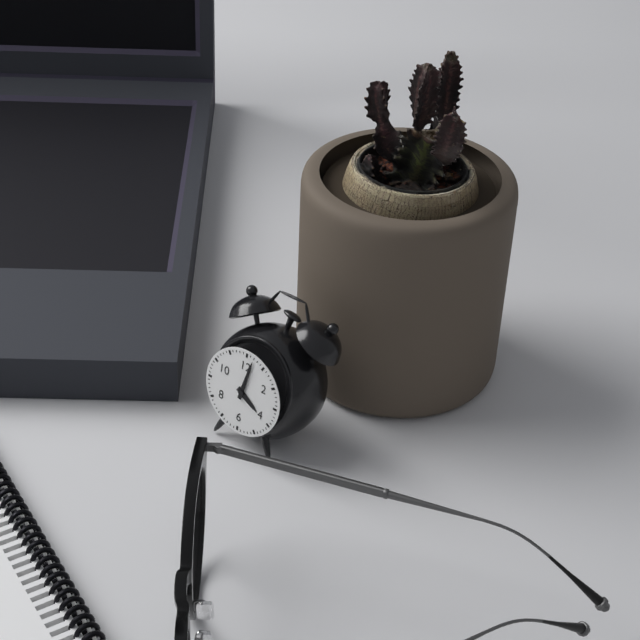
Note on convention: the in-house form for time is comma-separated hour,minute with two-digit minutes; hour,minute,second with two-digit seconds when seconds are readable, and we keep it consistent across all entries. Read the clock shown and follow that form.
4,02
